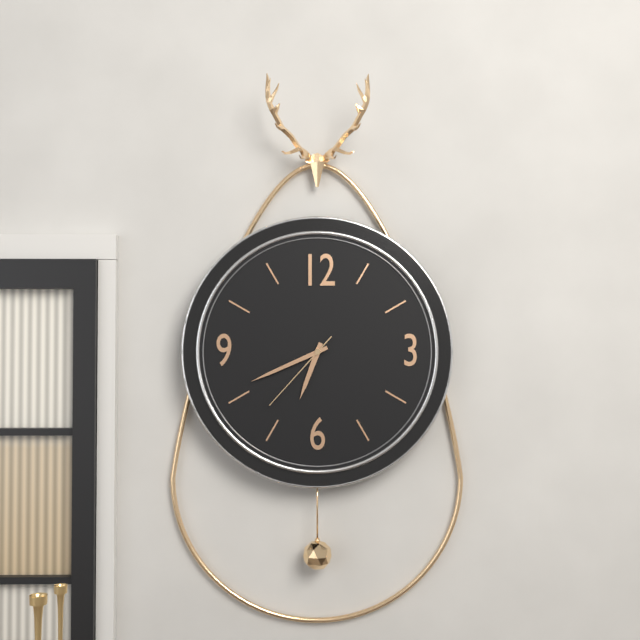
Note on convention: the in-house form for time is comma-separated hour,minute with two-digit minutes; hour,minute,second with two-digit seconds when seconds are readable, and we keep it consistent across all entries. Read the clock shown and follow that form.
6,41,37
